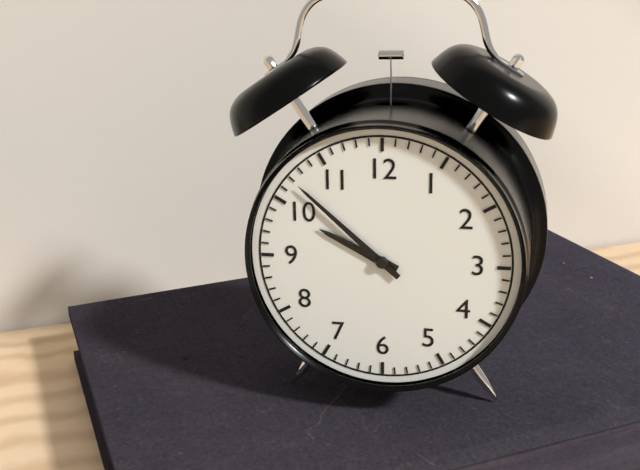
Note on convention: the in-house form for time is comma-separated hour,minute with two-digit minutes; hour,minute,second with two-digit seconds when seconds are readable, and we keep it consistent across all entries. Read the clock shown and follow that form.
9,52
